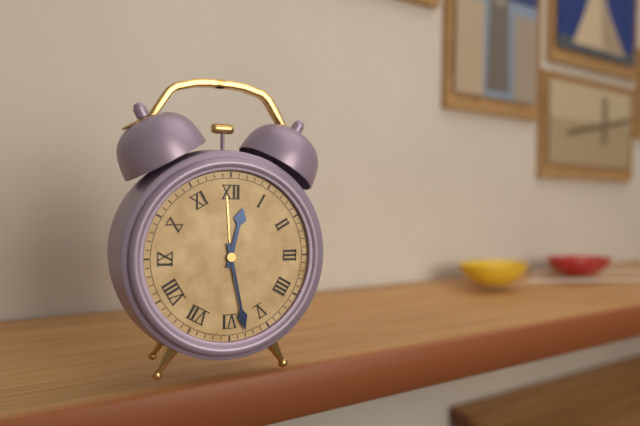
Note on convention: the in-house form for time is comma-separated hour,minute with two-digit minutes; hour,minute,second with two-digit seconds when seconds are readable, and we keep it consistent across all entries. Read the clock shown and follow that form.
12,28
